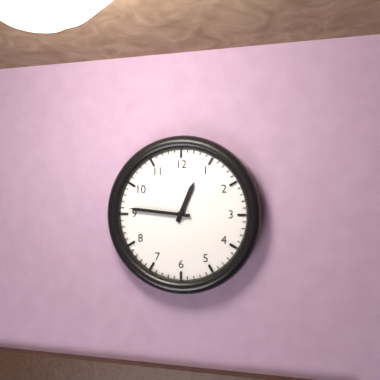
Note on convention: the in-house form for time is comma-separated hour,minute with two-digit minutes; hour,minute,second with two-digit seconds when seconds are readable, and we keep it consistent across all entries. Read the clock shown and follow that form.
12,46
